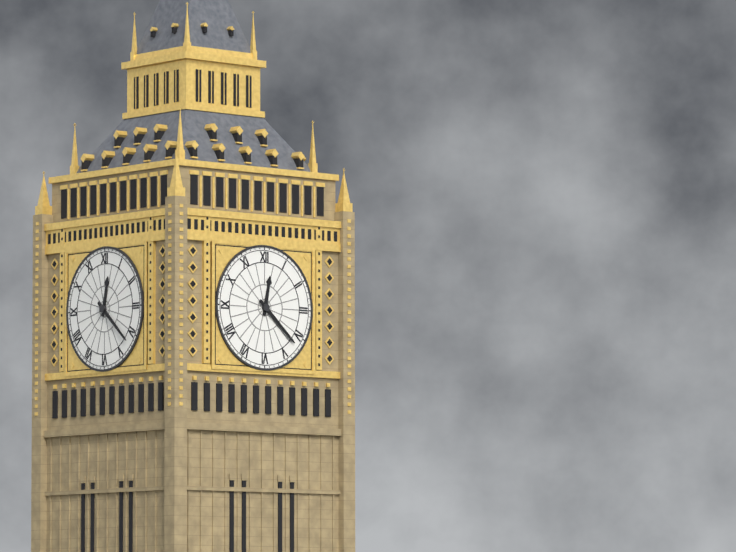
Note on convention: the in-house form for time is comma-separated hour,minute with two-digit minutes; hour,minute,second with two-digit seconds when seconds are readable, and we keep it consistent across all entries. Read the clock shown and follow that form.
12,22
